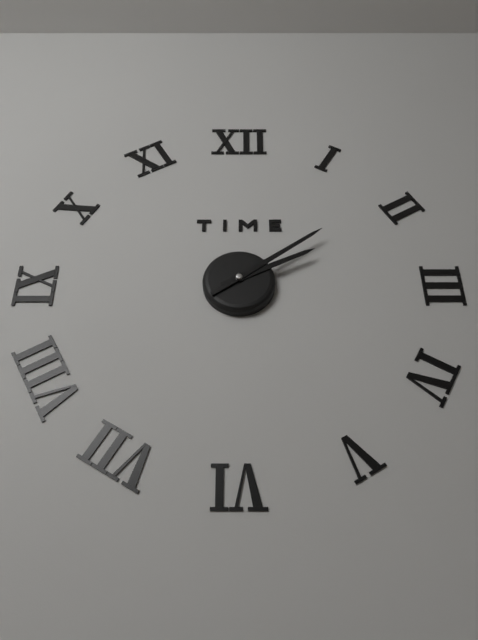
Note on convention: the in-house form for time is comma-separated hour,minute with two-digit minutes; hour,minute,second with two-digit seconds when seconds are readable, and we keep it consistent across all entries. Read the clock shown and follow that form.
2,09
